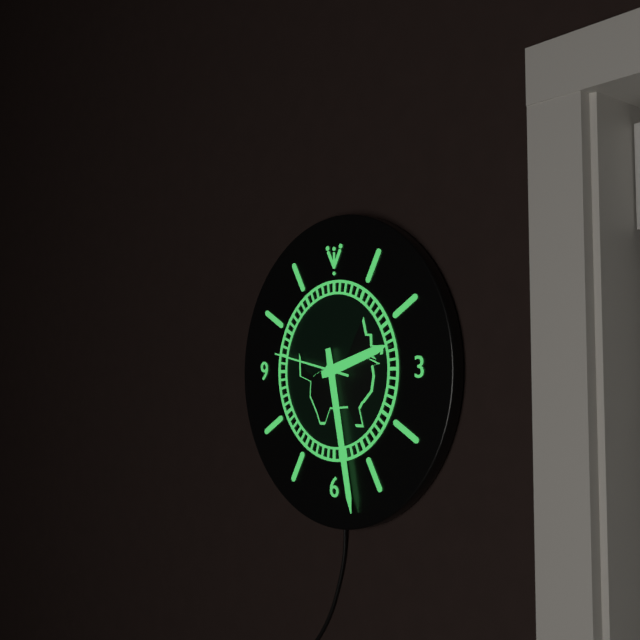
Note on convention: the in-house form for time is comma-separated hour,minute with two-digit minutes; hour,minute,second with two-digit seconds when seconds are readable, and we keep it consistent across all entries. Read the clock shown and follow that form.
2,28,47
